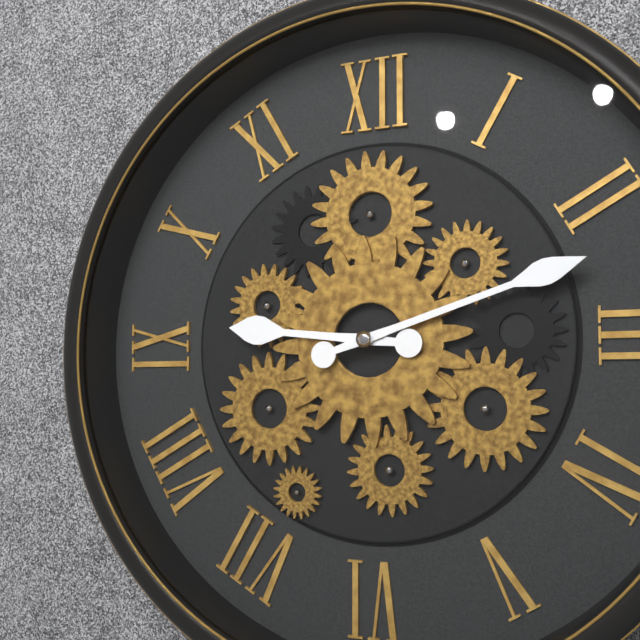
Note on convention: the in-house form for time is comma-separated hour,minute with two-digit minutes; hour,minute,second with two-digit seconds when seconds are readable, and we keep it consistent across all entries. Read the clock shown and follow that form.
9,12
